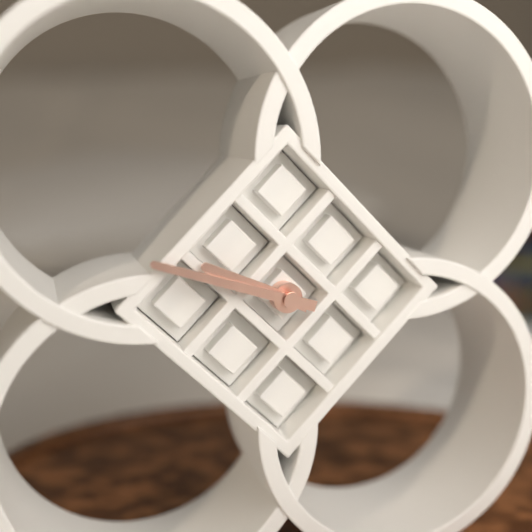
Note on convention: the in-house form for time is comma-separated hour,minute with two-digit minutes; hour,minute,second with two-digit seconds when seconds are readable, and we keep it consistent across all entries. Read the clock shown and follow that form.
9,48
